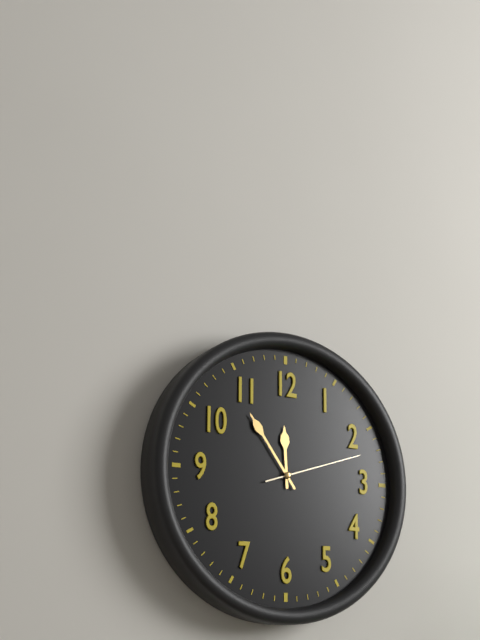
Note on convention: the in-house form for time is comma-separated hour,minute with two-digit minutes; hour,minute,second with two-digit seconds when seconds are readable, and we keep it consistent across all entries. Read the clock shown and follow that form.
11,54,12
